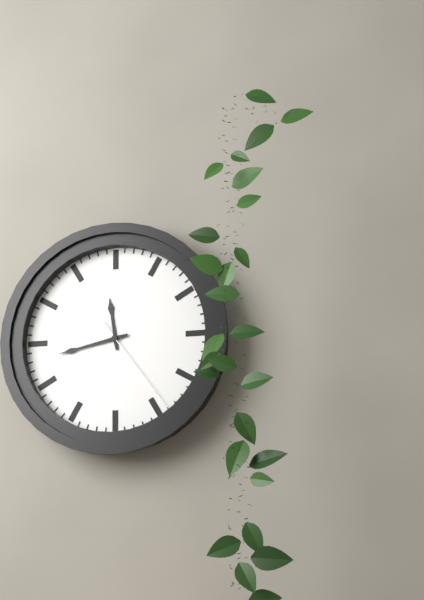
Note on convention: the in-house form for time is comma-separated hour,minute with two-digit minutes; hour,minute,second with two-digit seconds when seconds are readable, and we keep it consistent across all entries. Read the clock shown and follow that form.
11,43,24
